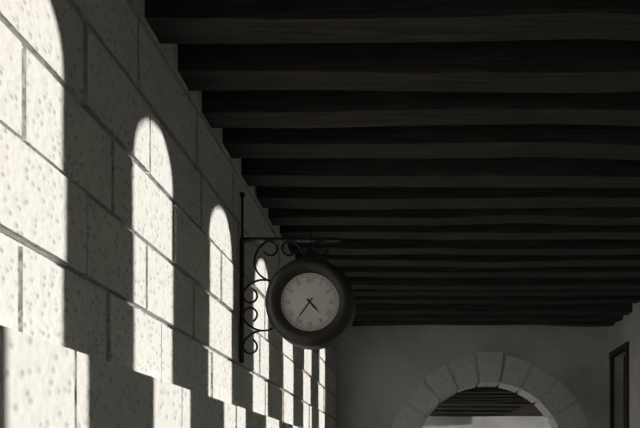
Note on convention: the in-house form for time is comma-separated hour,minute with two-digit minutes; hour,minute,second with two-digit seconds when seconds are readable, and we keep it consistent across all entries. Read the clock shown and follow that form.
4,36
